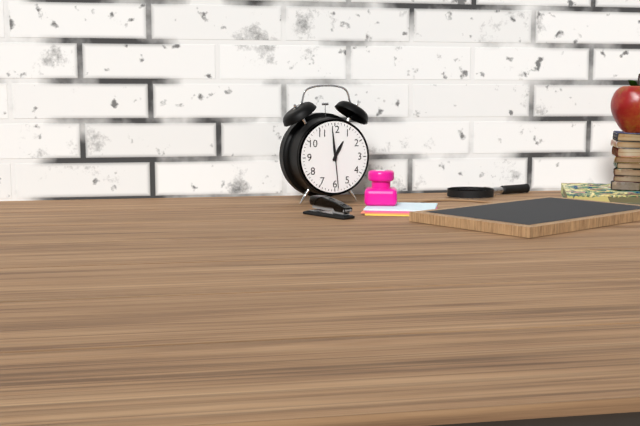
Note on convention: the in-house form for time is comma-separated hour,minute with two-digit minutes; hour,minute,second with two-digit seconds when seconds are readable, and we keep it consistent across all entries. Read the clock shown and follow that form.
12,59
